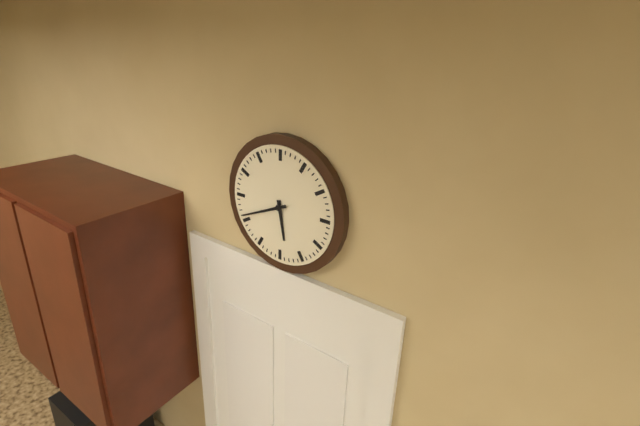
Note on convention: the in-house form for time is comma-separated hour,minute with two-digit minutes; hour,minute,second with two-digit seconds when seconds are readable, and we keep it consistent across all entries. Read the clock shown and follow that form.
5,41
